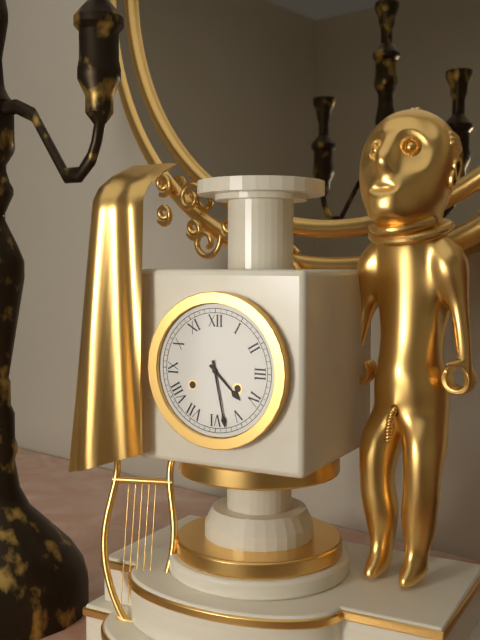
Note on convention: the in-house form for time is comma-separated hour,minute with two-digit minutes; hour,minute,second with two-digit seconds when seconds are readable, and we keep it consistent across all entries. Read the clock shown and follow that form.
4,28
